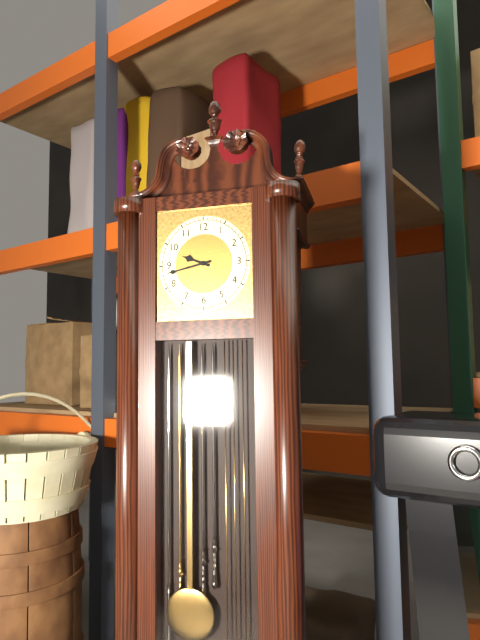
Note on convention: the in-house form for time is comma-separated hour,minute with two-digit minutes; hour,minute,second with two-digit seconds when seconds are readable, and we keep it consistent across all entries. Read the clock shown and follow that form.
9,43
